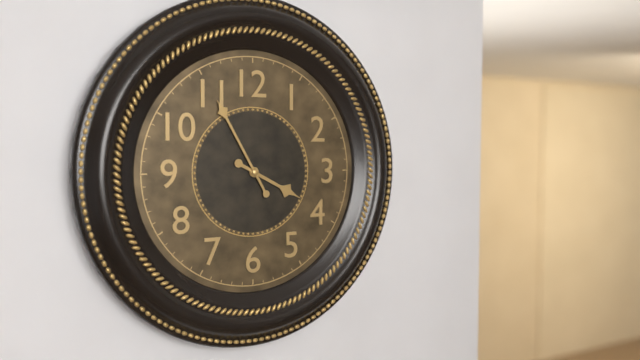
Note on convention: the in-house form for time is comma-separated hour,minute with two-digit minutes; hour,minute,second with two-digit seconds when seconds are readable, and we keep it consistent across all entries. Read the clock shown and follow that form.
3,55
